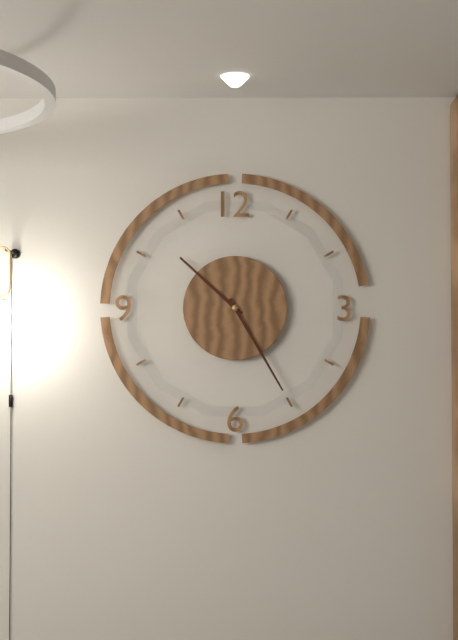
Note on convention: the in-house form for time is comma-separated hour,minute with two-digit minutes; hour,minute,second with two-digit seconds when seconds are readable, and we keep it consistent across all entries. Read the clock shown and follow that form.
10,25
